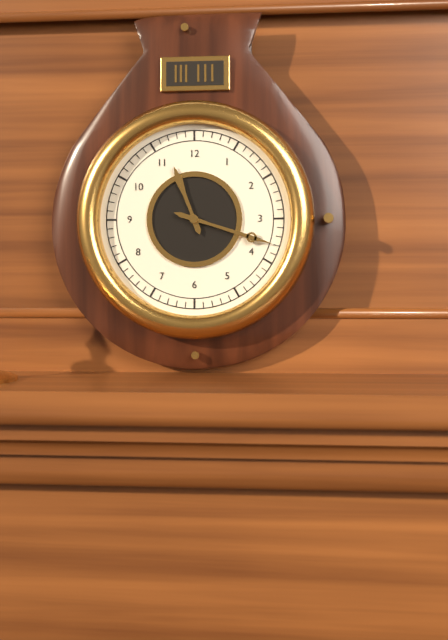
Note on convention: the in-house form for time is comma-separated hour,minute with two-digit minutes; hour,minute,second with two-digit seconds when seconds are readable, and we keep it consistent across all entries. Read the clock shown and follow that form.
11,18
